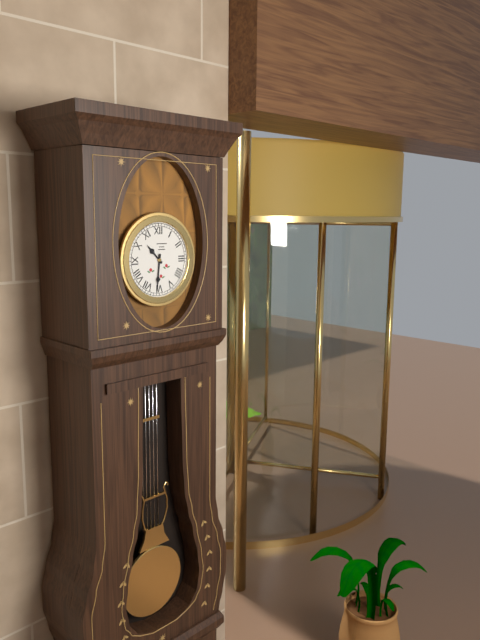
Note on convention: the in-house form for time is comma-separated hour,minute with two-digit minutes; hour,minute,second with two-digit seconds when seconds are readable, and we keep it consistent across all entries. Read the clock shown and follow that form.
10,31
